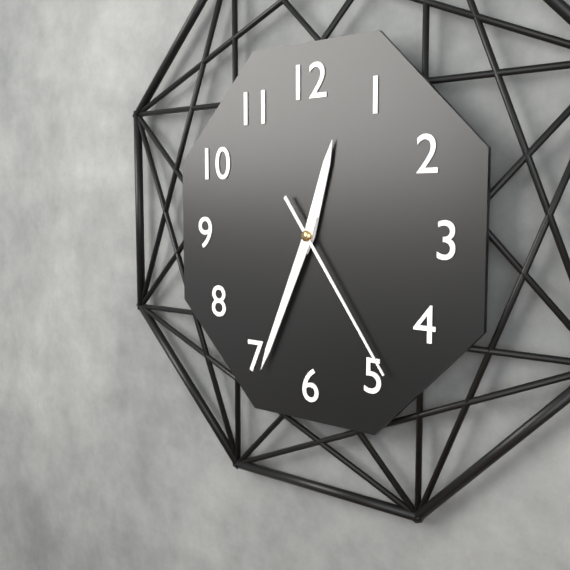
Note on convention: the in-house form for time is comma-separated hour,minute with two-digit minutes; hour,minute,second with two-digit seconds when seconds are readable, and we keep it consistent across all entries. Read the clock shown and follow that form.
12,34,24
